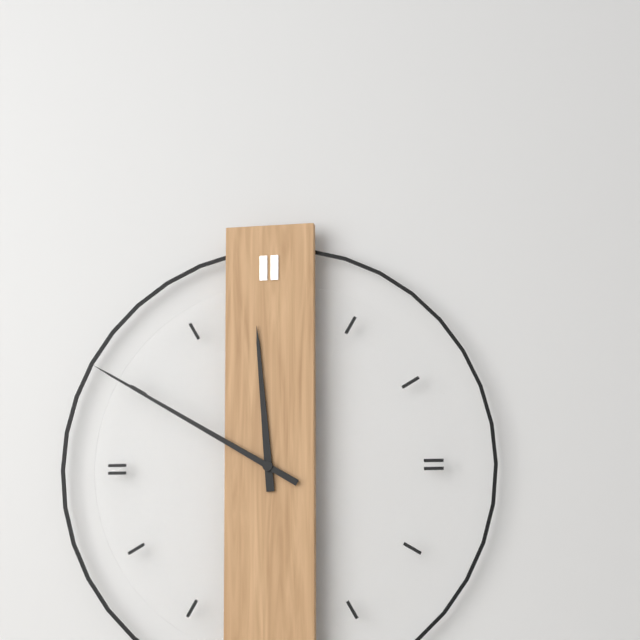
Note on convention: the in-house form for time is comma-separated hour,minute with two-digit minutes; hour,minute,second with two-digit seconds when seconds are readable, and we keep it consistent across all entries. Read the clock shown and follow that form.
11,50
